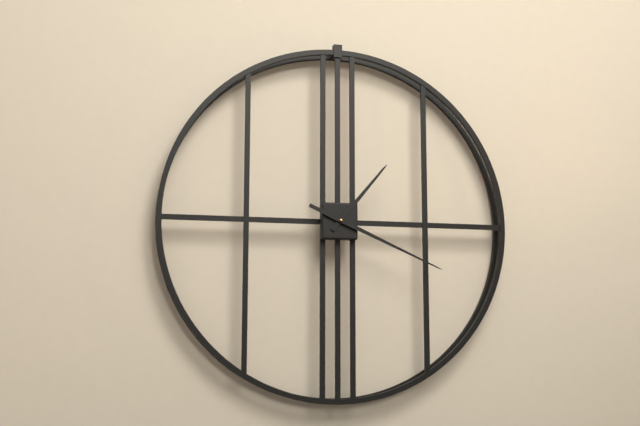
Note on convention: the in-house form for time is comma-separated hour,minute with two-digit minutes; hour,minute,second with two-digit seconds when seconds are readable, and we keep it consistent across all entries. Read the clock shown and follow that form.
1,19
